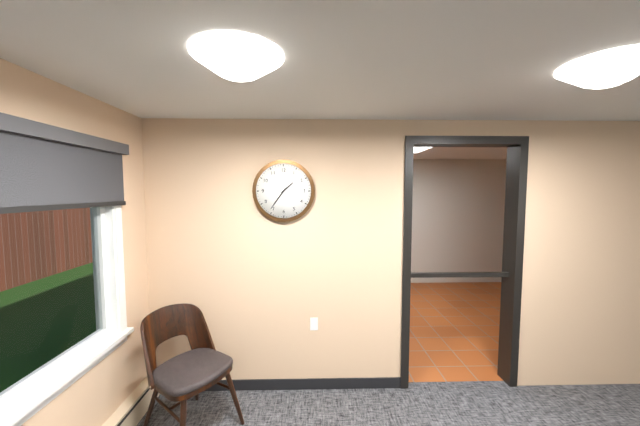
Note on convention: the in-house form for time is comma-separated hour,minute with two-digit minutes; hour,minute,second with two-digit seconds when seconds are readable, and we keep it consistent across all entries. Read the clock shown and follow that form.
1,36
